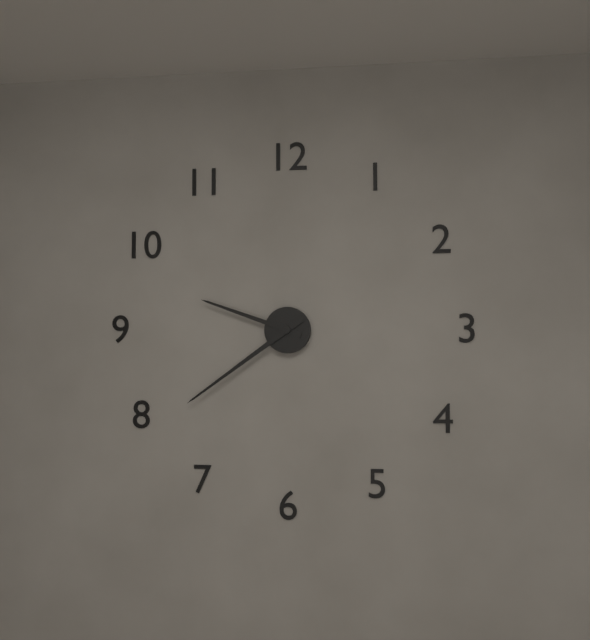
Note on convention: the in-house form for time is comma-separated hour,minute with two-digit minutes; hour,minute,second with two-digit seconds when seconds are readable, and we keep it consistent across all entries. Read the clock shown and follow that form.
9,39
